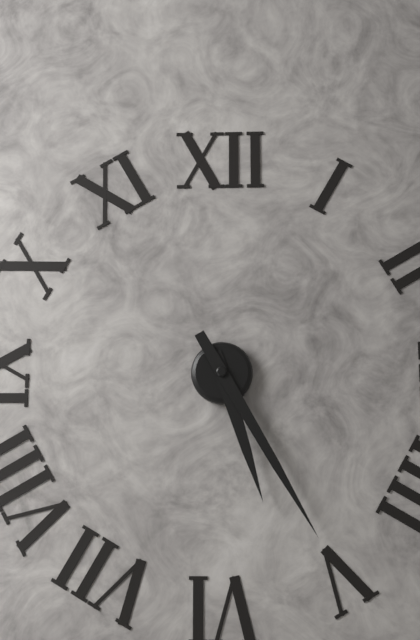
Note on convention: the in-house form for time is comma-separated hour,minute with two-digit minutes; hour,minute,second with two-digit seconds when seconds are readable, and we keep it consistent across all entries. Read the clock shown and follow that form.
5,25
